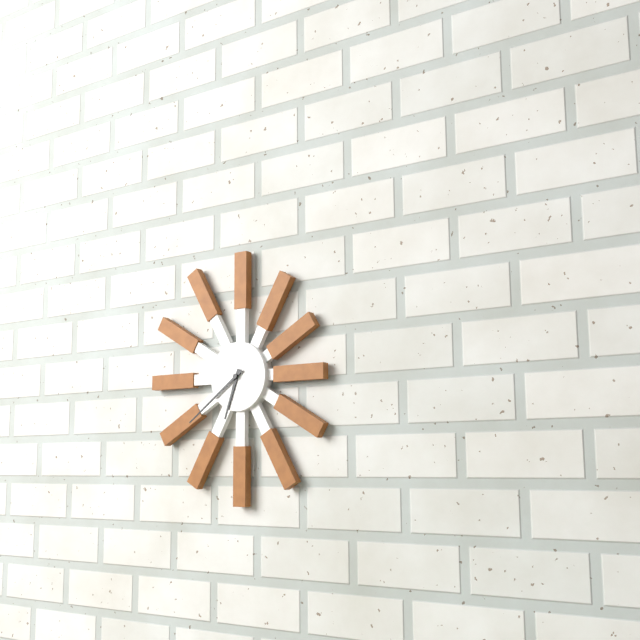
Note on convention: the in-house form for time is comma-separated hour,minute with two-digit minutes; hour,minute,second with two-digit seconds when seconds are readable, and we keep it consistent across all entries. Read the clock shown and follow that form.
6,39
